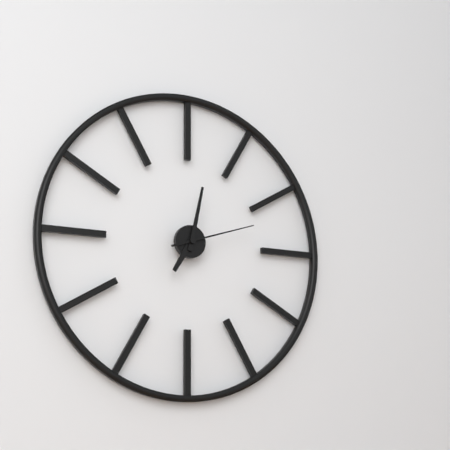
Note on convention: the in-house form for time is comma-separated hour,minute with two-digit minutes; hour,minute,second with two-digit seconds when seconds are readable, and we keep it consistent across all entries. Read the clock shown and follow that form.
7,02,12
